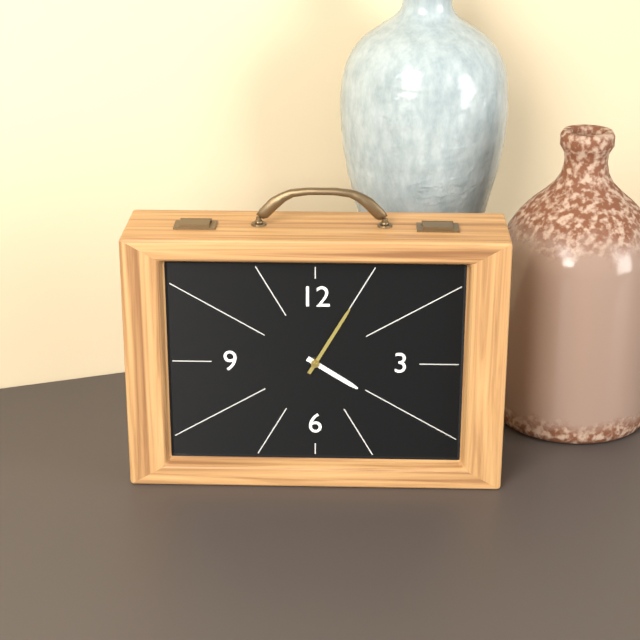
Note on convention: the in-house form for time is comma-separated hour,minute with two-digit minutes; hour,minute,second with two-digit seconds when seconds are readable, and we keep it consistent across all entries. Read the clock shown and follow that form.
4,05
